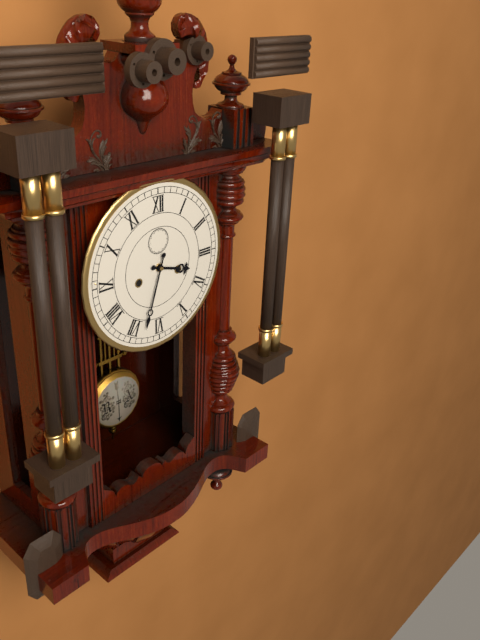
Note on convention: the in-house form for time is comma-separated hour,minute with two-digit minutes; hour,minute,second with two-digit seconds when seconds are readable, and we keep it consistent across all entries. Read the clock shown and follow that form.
3,33
